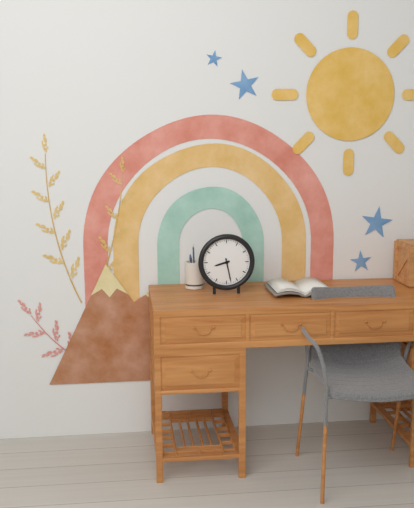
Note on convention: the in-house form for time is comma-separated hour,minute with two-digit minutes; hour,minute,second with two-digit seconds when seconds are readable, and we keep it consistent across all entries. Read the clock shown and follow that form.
8,28
